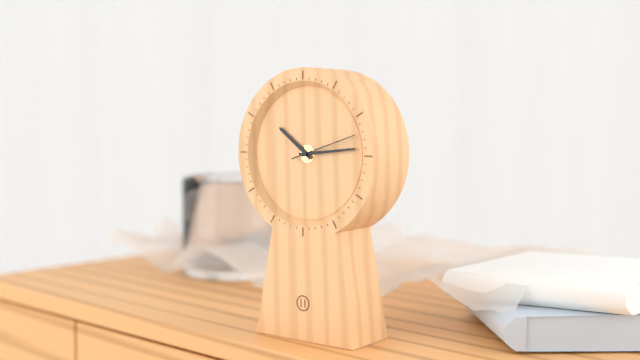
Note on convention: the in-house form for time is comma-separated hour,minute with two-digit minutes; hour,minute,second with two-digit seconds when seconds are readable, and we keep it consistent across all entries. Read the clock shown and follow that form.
10,14,12
